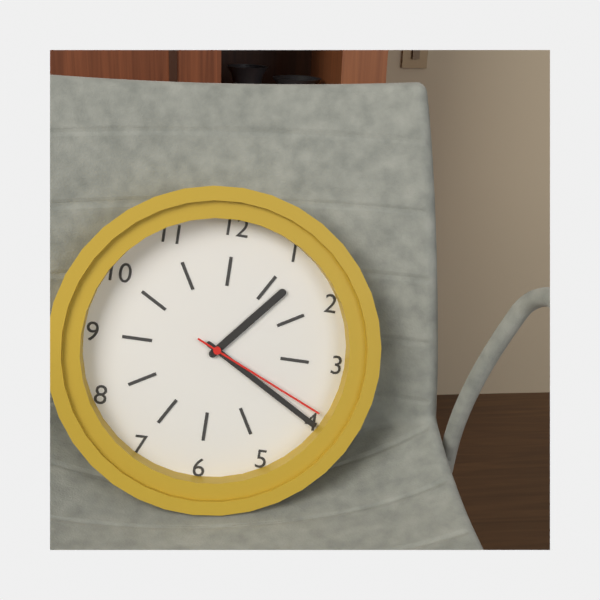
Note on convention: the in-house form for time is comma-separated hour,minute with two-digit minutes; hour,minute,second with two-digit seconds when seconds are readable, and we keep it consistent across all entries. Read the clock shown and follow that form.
1,20,19
